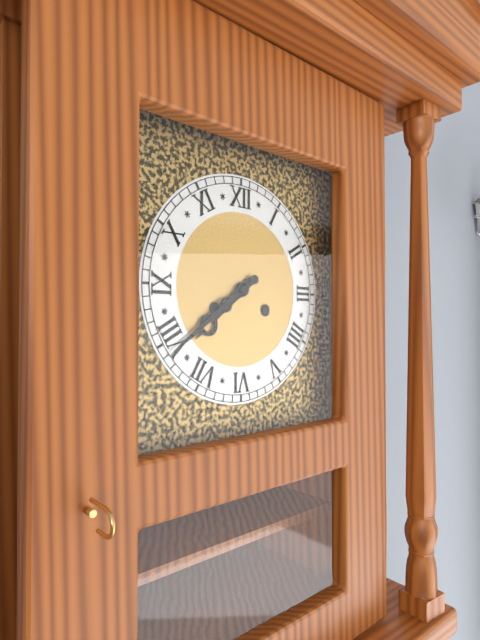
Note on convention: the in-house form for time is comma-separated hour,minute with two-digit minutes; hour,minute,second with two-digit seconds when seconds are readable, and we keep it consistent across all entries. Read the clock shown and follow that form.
7,39
